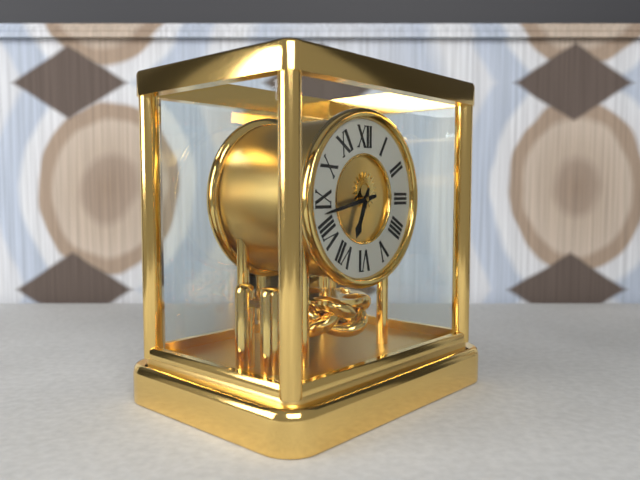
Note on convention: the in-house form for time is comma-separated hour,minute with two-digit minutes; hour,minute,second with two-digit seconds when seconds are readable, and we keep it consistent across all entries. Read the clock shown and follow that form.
6,43
